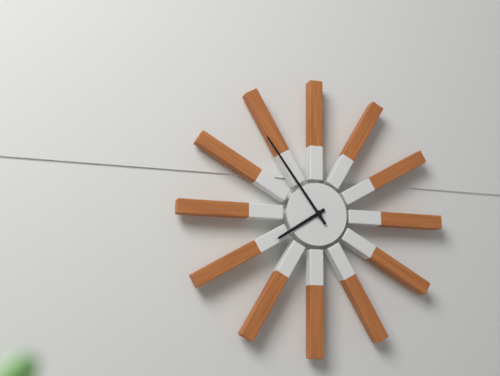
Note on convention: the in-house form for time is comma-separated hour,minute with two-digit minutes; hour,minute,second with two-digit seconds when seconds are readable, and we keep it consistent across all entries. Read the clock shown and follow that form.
7,54
